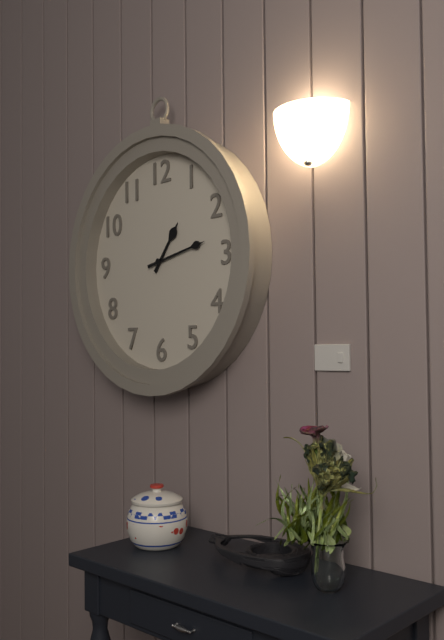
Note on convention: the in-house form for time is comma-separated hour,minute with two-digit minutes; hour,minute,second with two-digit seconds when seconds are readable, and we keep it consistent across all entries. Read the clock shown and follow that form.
1,13
